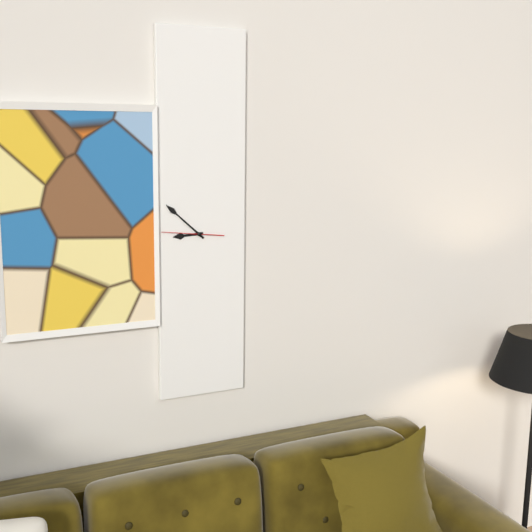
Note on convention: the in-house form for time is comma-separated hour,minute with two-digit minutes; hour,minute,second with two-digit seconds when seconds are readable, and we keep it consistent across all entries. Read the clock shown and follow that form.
8,52
